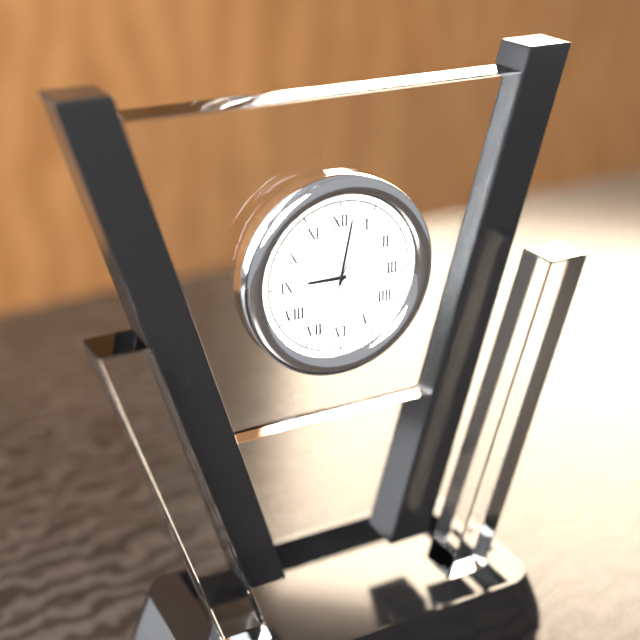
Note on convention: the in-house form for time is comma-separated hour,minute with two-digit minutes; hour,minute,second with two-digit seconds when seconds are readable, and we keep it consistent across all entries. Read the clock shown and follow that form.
9,02,34
